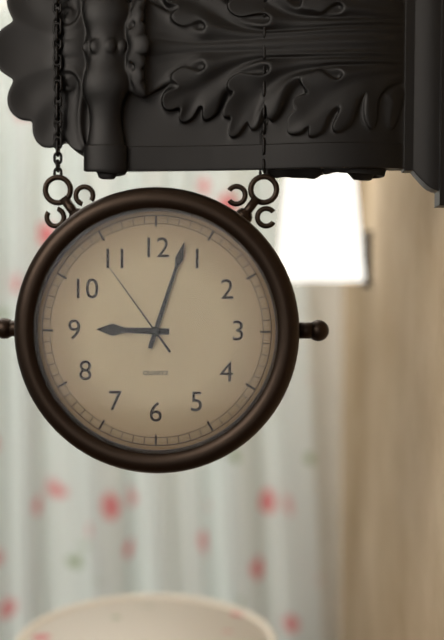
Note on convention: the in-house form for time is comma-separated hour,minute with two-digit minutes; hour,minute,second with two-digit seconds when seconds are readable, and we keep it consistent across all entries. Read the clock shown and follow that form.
9,03,54
